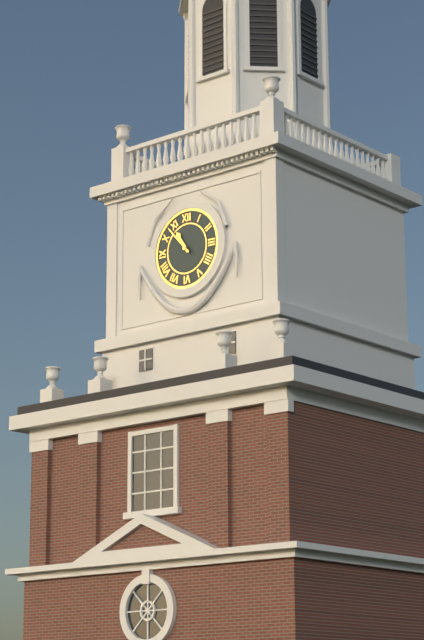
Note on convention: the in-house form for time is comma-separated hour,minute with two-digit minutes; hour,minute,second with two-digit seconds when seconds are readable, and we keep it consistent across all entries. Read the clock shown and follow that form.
10,53
